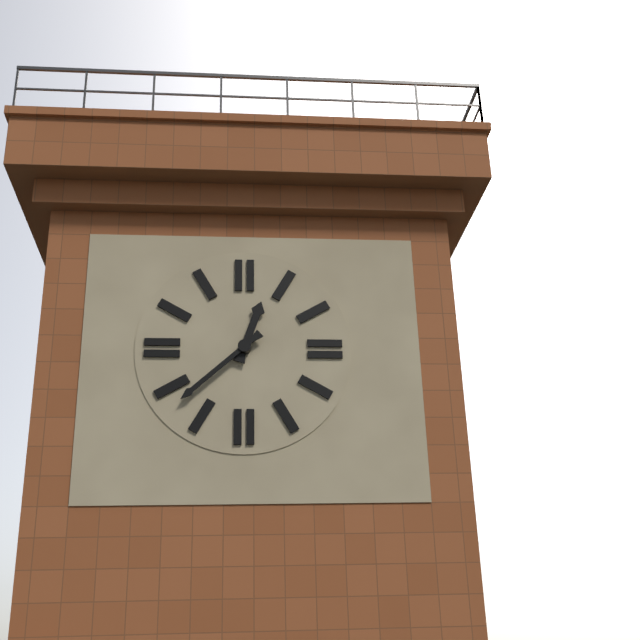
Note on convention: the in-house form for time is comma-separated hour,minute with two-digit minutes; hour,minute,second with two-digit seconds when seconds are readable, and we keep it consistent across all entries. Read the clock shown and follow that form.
12,38
